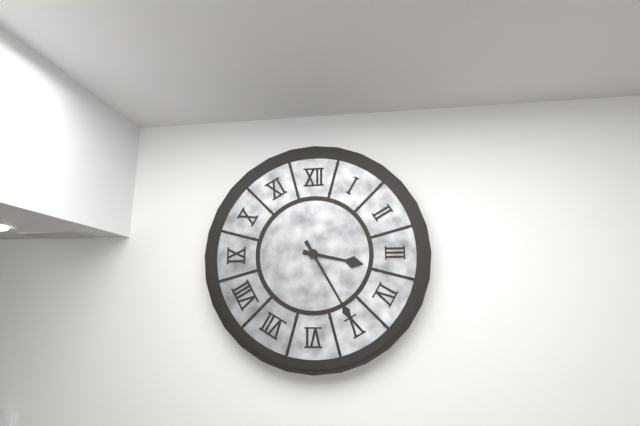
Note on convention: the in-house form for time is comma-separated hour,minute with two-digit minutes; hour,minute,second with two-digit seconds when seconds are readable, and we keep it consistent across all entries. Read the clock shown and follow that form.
3,25
